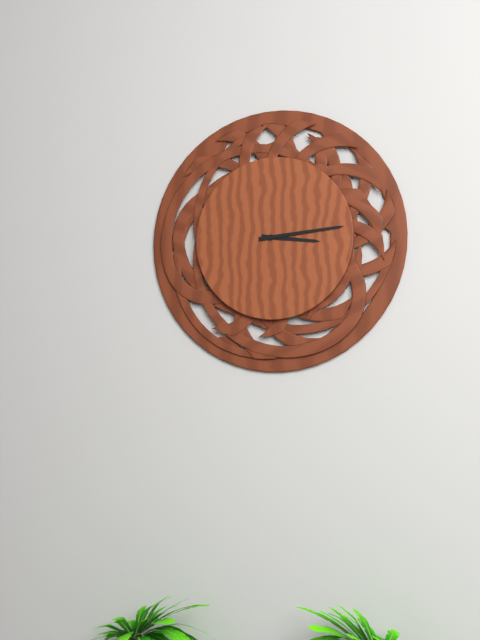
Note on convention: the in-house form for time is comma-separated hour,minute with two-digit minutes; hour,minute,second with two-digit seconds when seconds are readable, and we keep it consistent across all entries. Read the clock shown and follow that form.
3,14
